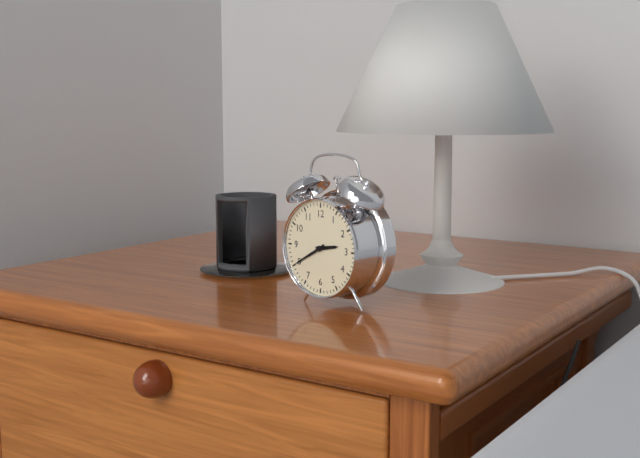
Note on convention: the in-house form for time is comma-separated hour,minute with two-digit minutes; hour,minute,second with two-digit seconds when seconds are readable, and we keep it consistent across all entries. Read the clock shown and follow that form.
2,40
